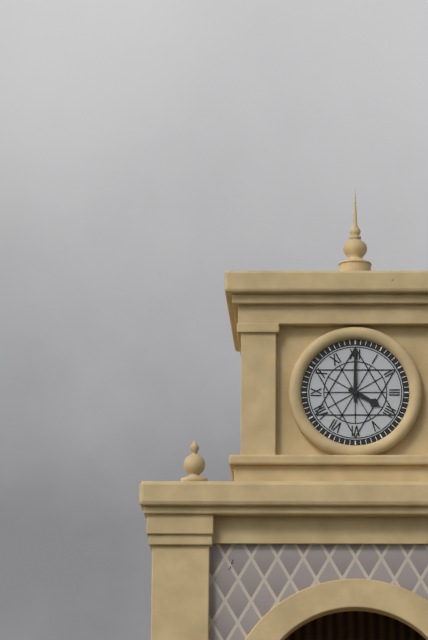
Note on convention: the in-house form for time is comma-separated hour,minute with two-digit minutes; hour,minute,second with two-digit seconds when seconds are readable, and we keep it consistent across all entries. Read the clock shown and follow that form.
4,00
